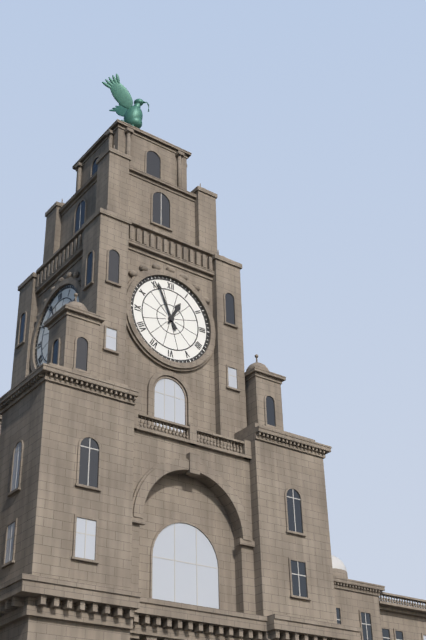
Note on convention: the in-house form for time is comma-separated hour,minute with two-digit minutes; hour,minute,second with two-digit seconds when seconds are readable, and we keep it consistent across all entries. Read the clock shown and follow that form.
12,56
